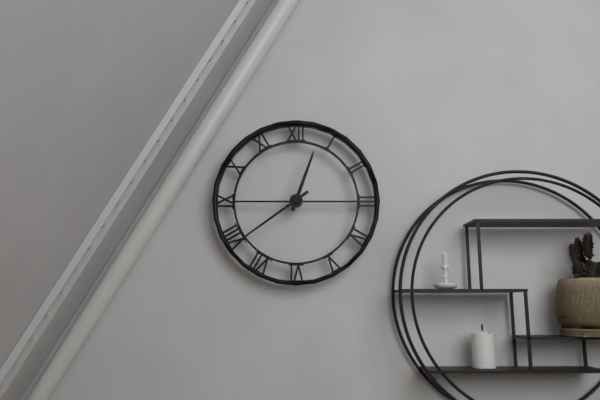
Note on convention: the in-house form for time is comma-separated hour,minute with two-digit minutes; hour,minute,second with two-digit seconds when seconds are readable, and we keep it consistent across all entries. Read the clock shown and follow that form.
12,39
